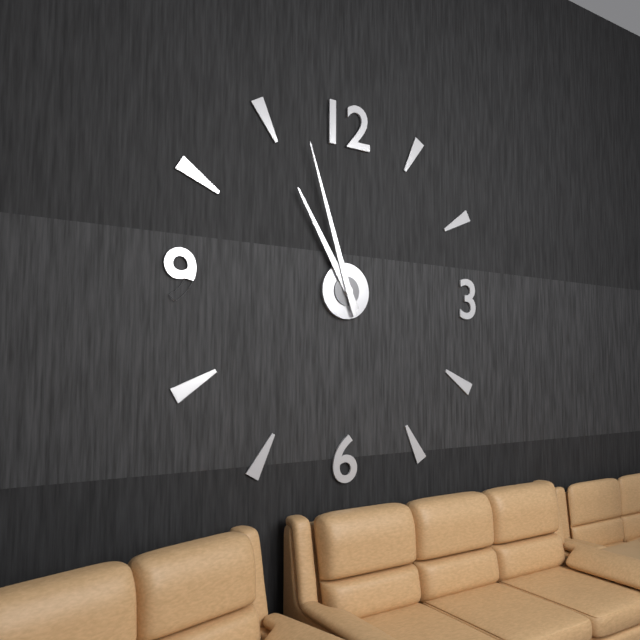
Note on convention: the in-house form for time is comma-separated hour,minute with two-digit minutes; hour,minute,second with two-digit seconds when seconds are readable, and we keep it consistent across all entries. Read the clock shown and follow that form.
10,57
